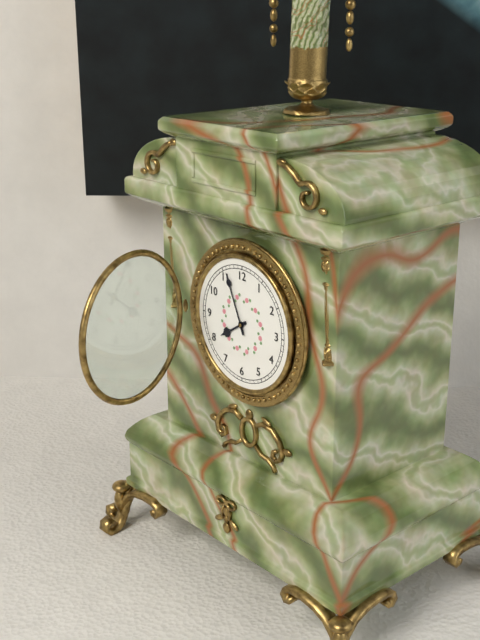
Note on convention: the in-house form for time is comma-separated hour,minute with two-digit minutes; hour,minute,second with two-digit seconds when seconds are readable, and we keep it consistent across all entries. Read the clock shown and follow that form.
7,56
